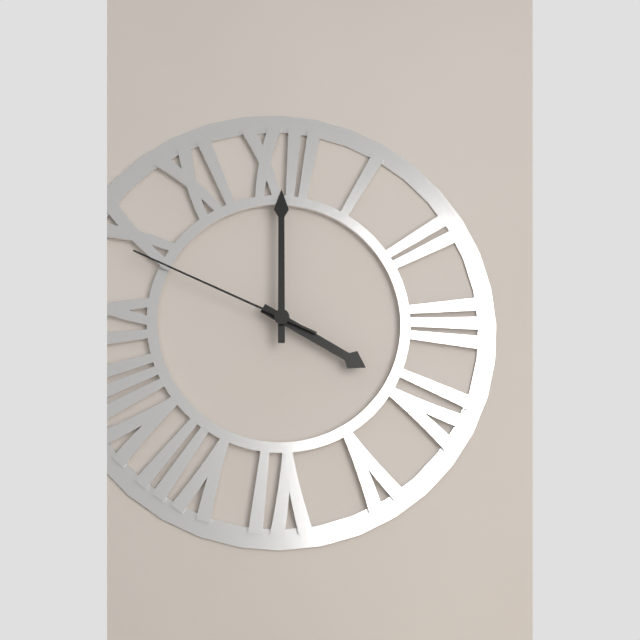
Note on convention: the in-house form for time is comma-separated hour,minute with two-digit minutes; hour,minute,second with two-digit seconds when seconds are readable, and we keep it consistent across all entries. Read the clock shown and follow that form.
4,00,49
